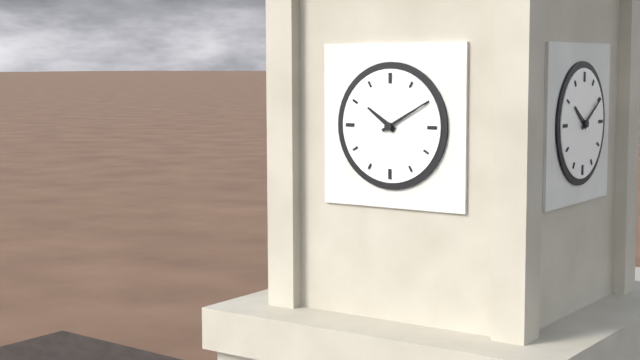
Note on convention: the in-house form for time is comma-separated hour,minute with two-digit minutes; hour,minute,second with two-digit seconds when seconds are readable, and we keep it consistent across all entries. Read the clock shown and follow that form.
10,10
